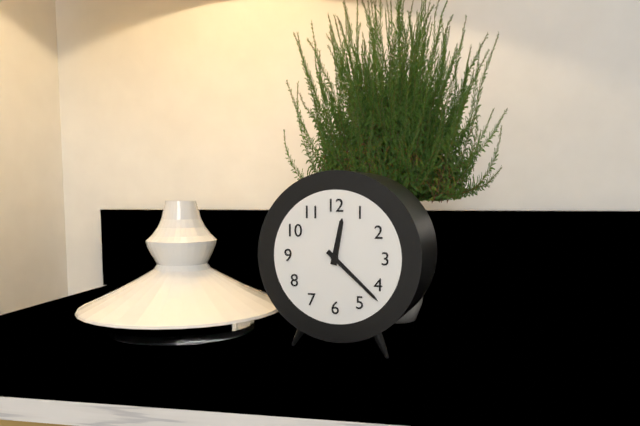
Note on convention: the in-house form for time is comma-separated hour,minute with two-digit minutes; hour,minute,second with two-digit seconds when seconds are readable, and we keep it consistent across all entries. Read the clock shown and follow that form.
12,22
